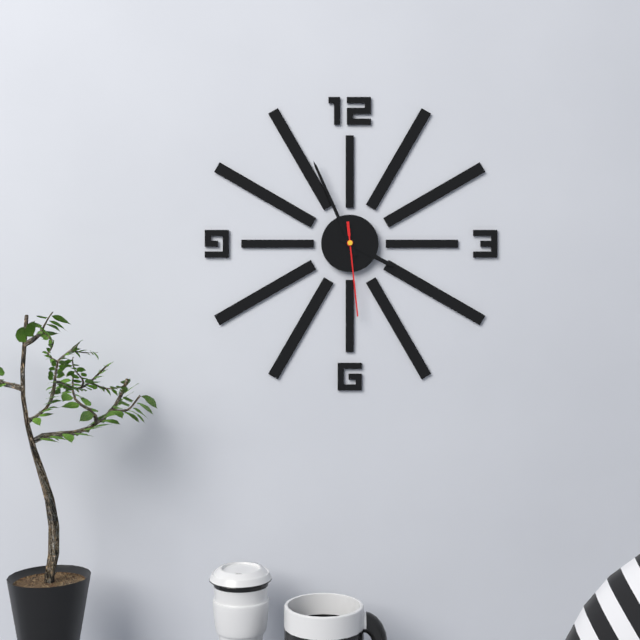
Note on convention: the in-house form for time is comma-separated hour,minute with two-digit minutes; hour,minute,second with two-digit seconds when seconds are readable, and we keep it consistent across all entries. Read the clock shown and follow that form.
3,56,29
